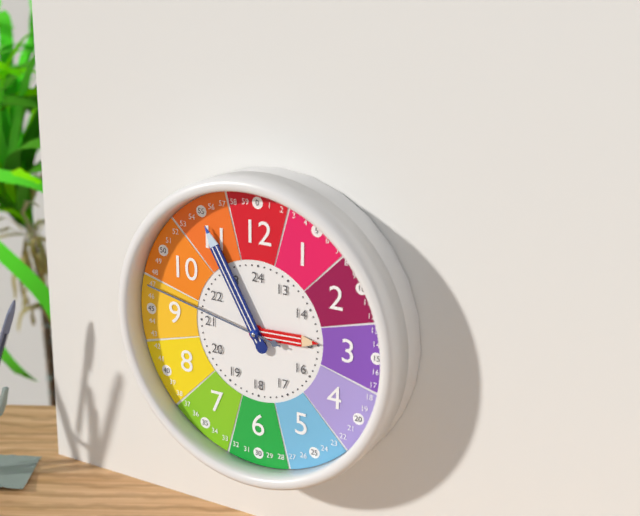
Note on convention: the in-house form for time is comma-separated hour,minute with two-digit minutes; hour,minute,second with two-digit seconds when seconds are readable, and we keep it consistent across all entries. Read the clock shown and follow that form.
2,55,47
